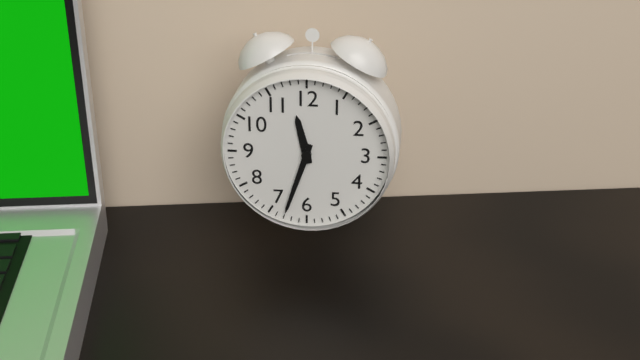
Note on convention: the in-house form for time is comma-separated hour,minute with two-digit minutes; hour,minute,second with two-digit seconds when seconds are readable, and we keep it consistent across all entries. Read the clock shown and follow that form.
11,33
